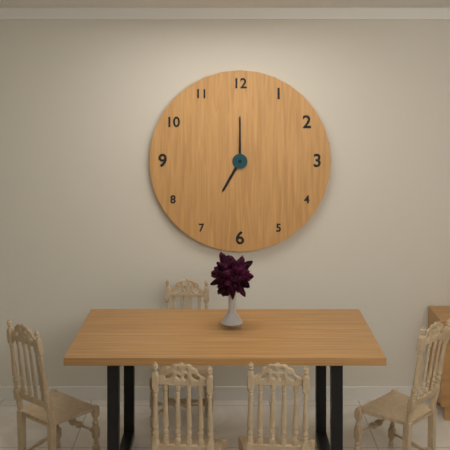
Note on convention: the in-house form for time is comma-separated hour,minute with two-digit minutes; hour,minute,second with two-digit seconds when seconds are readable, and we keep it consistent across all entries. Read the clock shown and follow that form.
7,00
